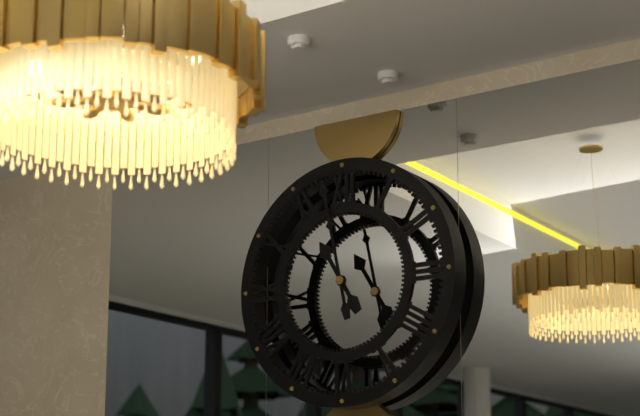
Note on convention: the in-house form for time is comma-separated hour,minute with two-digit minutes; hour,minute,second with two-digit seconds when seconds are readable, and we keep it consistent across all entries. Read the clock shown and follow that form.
10,58
